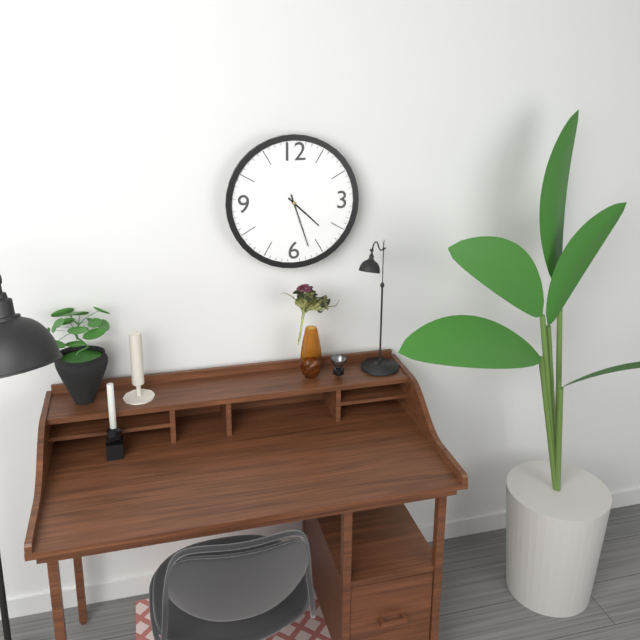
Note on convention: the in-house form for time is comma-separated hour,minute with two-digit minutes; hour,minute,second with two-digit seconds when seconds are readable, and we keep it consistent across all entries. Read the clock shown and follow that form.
4,27
